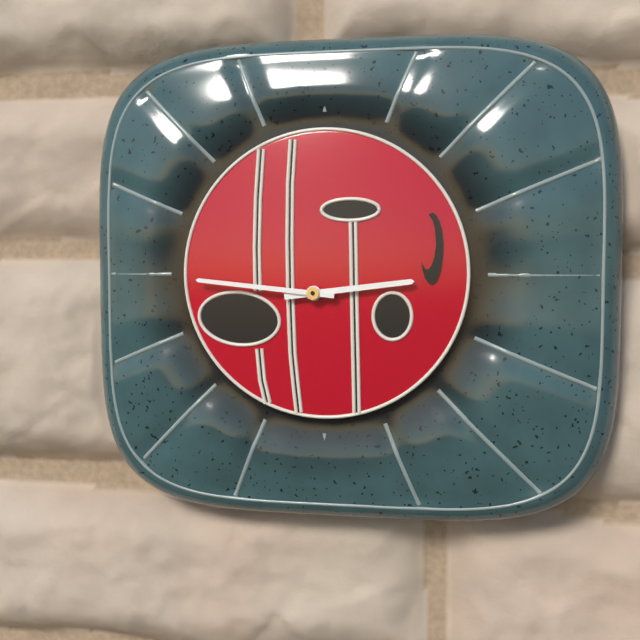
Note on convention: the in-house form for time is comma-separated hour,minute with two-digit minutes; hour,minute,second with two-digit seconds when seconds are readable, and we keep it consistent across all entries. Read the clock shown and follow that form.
2,46
